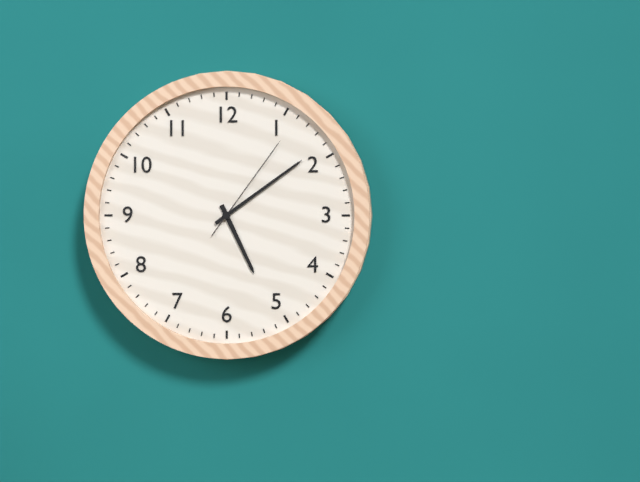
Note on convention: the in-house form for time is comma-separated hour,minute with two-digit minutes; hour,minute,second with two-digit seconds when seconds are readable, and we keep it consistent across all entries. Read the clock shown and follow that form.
5,09,06
